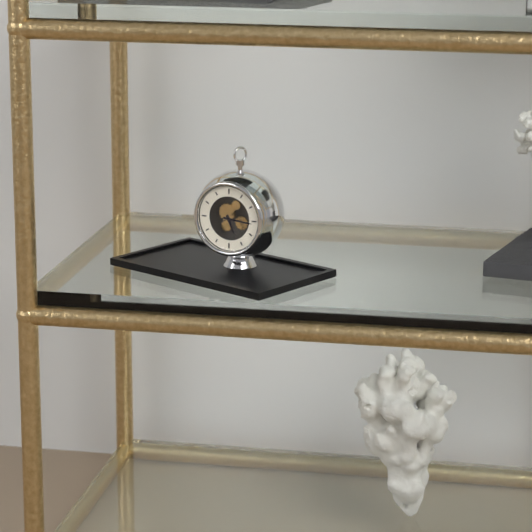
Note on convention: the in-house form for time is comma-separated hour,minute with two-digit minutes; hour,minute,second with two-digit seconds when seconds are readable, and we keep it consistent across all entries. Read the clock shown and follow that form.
5,16
